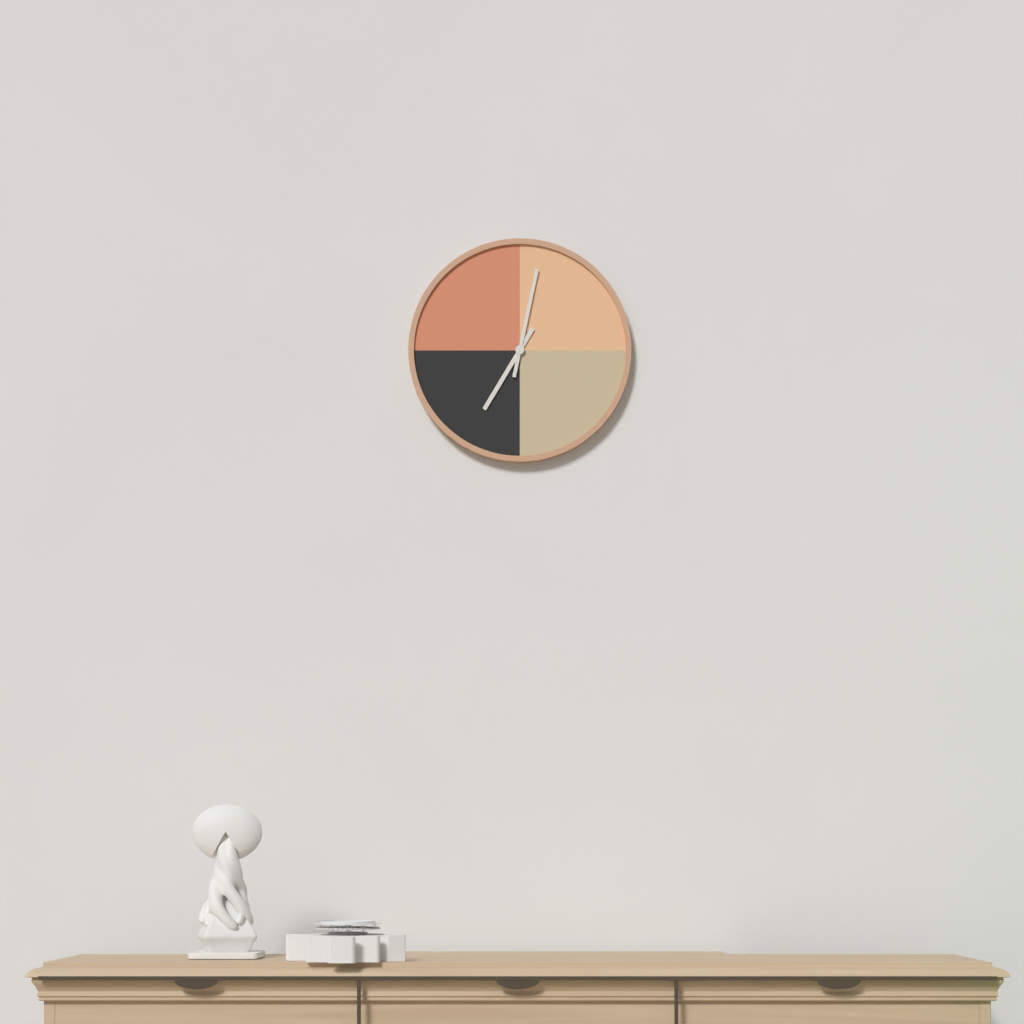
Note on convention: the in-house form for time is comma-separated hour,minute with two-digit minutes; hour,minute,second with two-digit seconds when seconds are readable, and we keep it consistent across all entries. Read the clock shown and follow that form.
7,02
